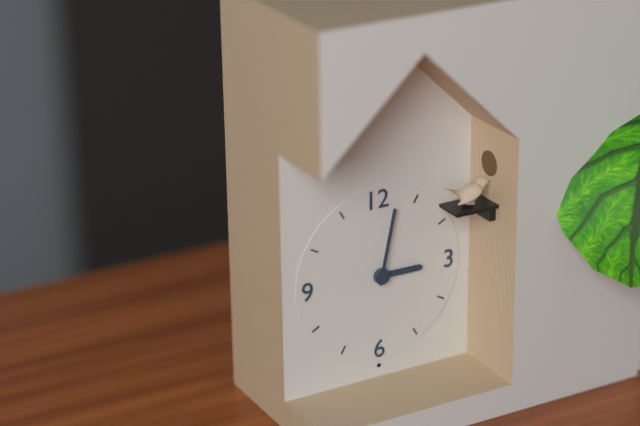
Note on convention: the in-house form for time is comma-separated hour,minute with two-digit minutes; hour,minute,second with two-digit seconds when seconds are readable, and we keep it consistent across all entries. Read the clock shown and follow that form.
3,02
